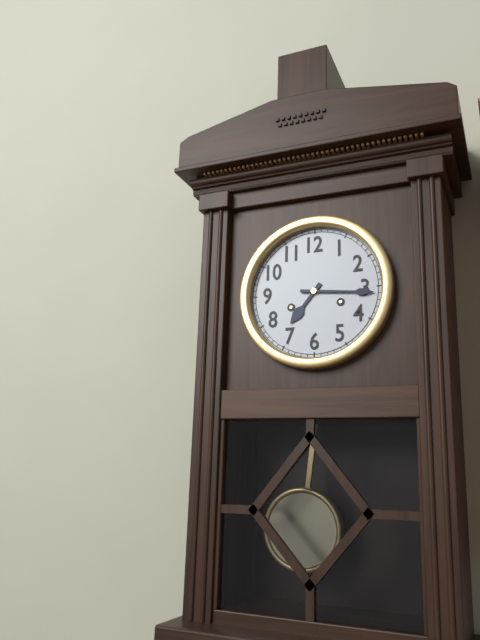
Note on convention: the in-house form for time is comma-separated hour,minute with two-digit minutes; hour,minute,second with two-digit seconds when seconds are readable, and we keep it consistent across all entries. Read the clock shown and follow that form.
7,16
